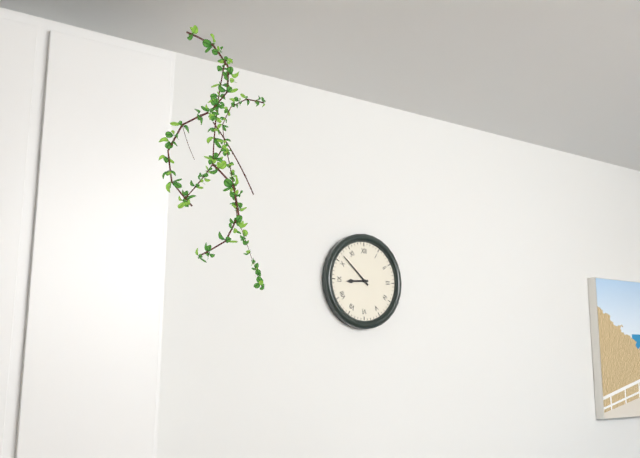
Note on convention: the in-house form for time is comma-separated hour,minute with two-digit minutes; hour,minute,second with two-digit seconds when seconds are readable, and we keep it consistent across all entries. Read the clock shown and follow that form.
8,52
